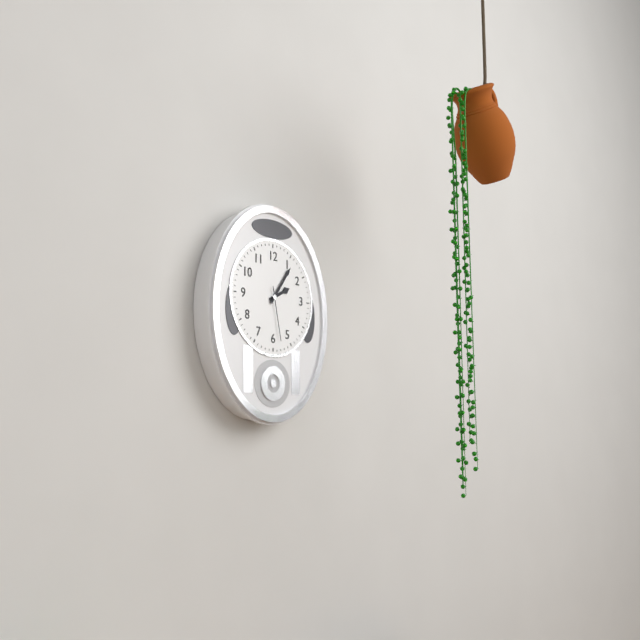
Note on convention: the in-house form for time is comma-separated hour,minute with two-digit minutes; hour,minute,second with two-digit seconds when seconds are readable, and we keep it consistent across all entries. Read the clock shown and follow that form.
2,06,28
